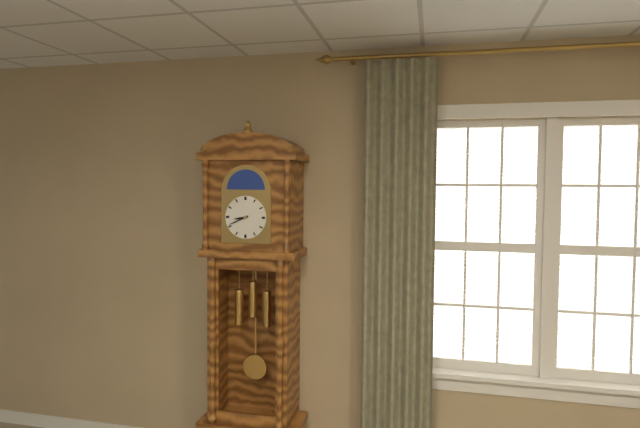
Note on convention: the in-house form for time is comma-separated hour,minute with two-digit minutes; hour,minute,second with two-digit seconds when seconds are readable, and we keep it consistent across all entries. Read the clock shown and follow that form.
8,41
